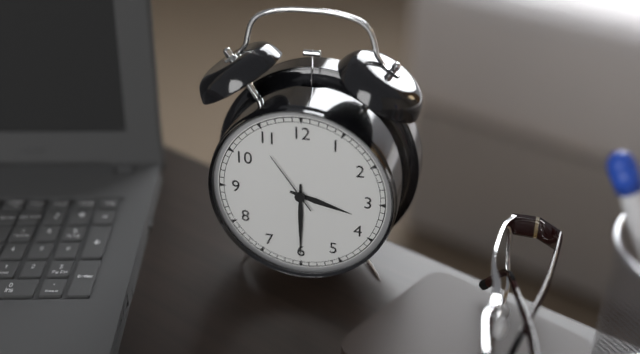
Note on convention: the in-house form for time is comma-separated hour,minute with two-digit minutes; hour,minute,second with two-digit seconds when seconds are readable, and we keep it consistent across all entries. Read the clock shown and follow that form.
3,30,54
